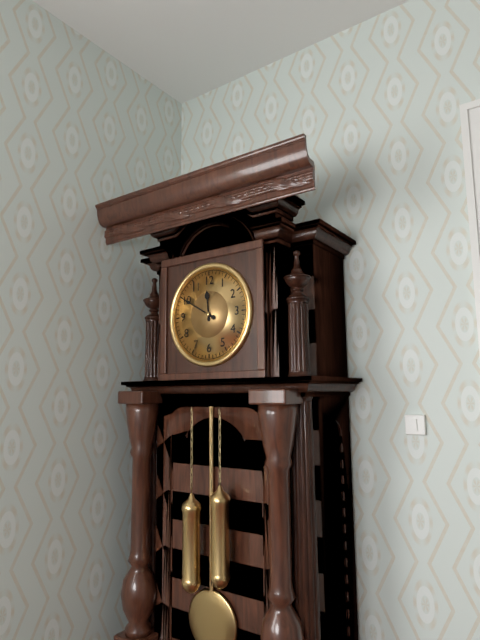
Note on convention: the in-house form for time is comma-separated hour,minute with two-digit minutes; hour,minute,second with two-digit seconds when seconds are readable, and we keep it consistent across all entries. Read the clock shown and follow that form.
11,50
